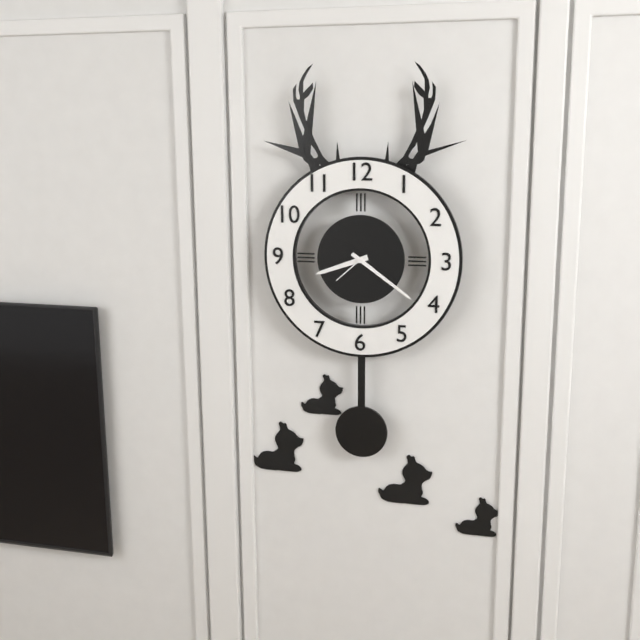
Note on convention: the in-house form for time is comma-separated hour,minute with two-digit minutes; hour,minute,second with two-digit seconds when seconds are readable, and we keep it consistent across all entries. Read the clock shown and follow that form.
8,21
